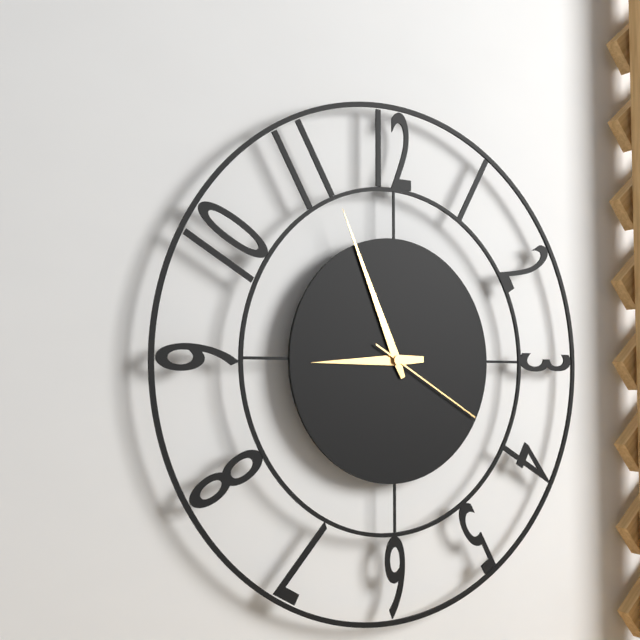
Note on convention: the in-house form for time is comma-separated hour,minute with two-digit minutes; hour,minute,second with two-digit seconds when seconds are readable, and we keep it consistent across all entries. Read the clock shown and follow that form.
8,56,20
